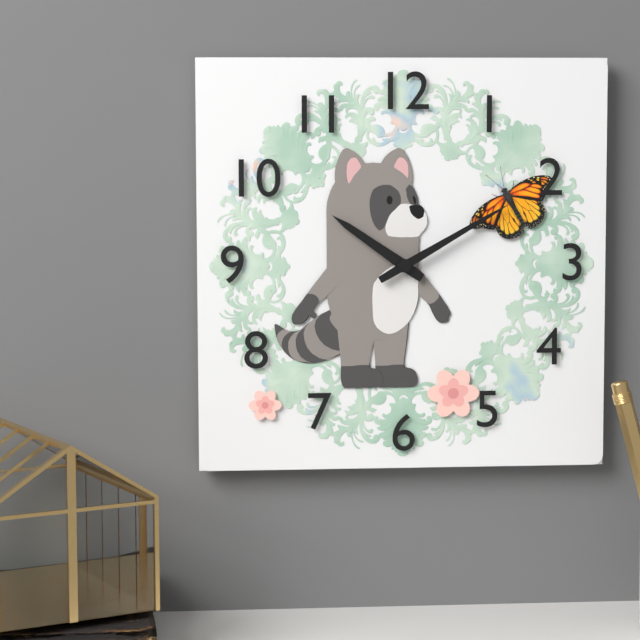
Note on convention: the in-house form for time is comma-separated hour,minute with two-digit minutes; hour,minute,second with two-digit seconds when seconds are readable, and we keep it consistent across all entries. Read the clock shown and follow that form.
10,10
